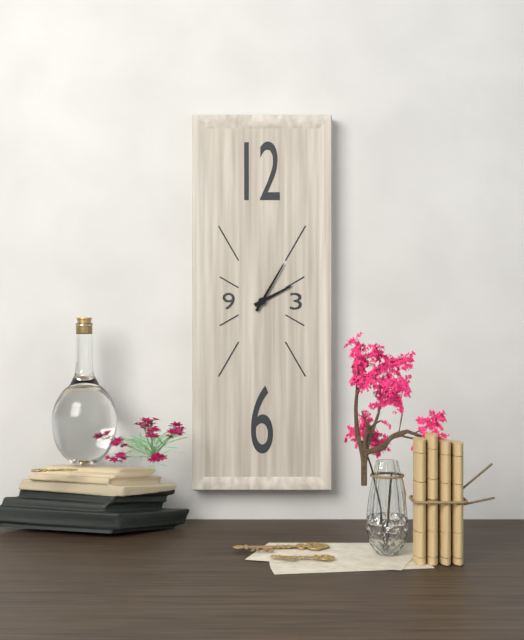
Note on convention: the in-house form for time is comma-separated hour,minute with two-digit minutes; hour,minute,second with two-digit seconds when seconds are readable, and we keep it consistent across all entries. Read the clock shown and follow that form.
2,05
